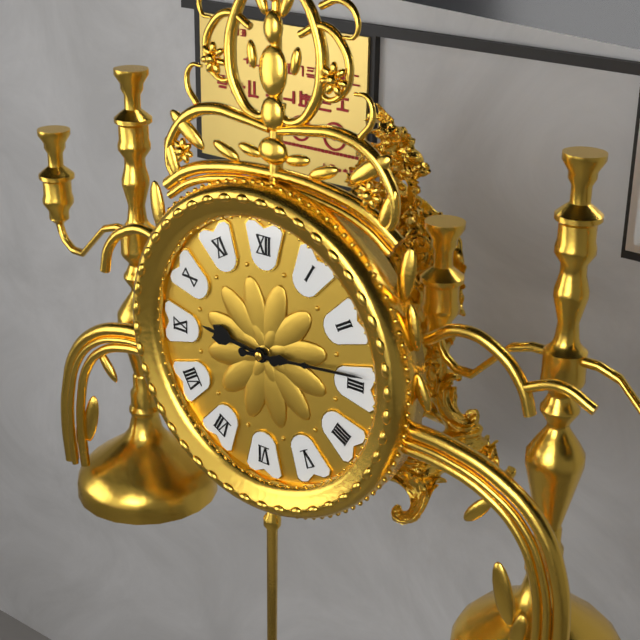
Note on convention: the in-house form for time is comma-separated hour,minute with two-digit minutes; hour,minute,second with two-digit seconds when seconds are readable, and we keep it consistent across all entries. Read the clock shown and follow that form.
9,14
